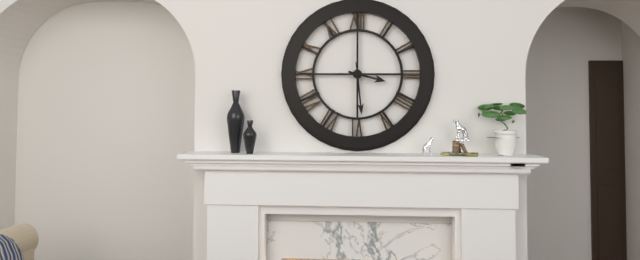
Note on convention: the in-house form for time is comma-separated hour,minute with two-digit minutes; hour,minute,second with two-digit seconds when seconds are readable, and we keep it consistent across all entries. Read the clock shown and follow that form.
3,29
